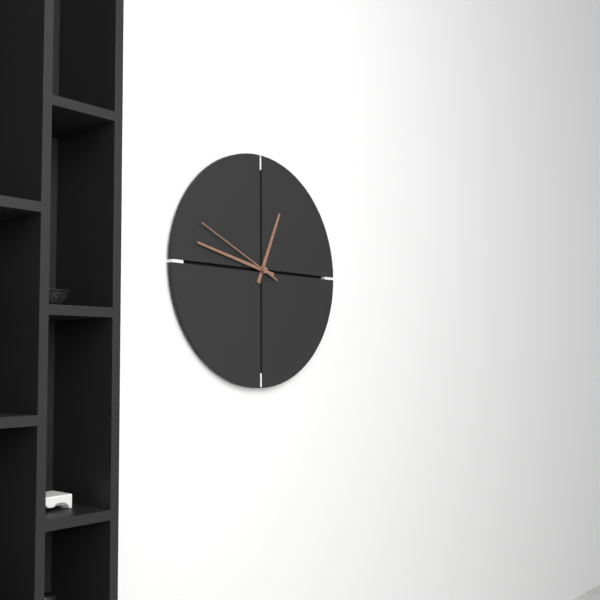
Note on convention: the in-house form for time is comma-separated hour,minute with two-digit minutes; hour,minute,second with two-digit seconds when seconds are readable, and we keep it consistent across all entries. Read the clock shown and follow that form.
12,47,49
